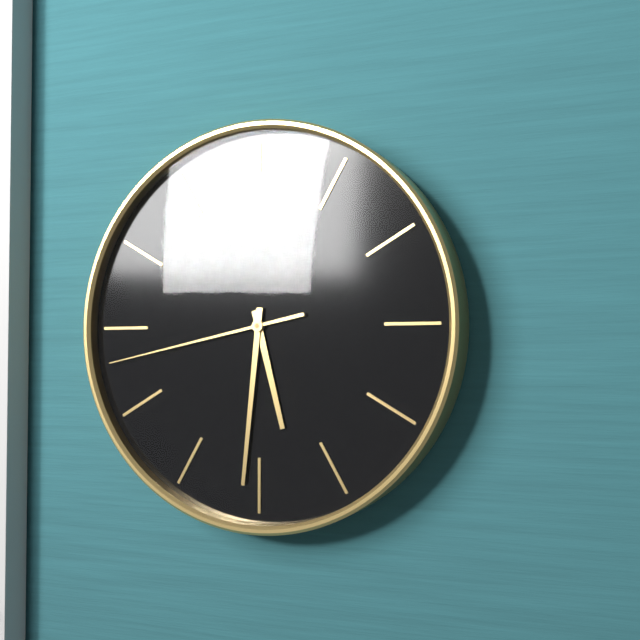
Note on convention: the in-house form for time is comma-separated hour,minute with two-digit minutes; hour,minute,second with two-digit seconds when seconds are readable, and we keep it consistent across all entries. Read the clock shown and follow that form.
5,31,43
